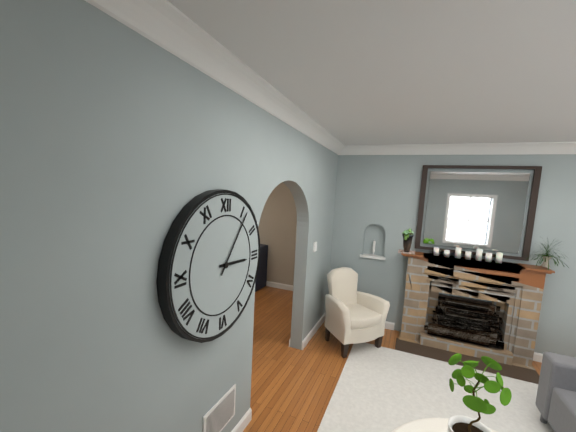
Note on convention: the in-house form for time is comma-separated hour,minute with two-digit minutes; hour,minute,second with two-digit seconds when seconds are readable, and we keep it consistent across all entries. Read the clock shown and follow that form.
3,06
